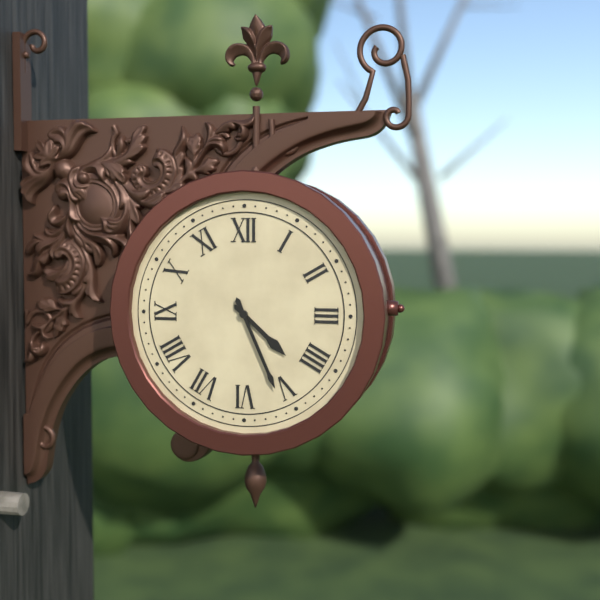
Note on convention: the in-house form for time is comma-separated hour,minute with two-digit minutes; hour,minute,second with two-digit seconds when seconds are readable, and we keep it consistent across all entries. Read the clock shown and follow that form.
4,26
